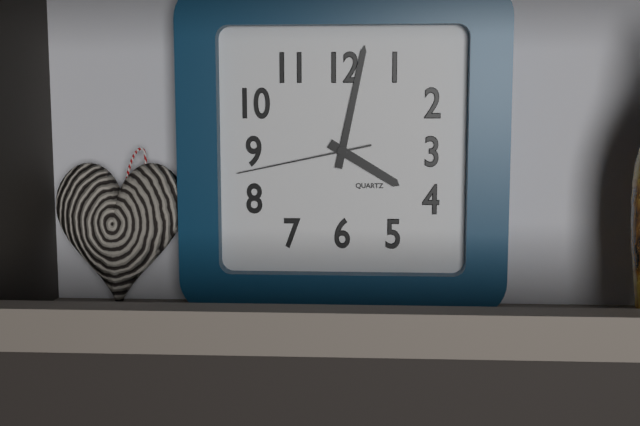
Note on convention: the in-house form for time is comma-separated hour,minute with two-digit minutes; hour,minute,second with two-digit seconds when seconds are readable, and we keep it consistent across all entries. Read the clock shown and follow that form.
4,02,43
